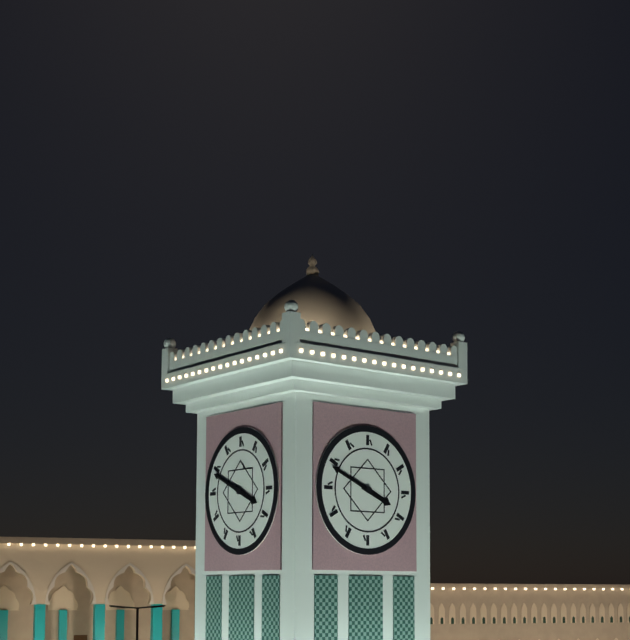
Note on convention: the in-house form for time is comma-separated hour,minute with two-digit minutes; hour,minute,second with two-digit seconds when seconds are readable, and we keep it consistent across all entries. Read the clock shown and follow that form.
3,49
